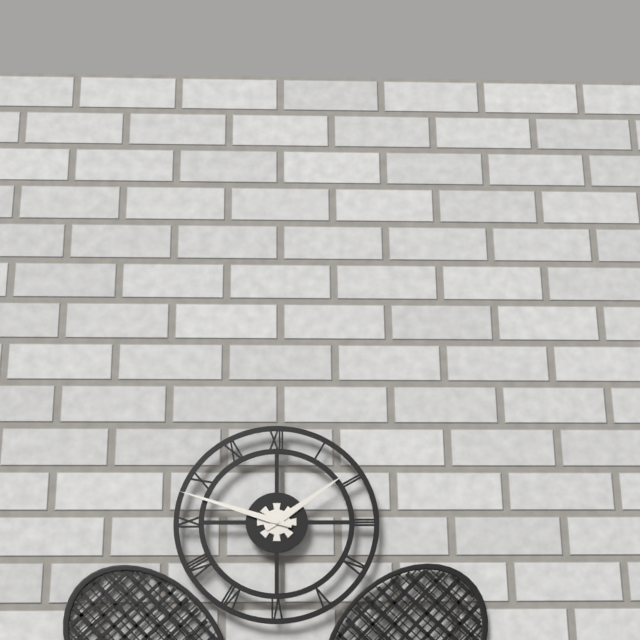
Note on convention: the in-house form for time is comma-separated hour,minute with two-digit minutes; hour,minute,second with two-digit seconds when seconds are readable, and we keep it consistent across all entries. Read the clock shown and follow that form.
1,48
